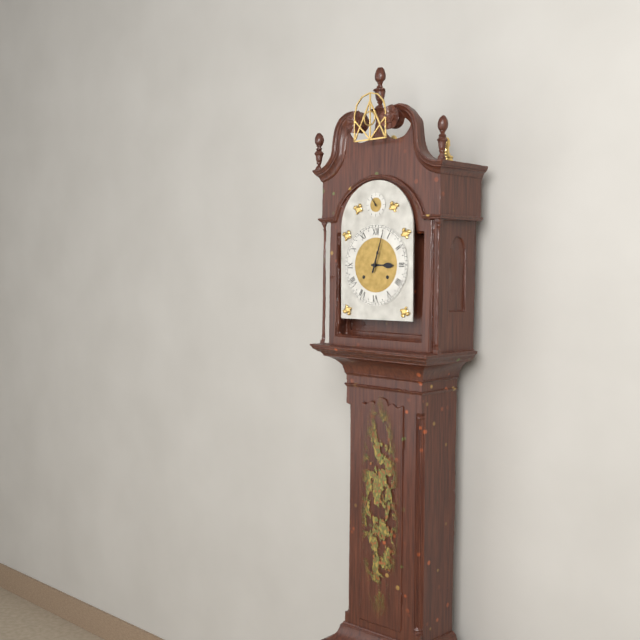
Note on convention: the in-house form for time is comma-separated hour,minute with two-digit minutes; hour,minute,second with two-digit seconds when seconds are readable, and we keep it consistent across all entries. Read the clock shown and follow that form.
3,03
